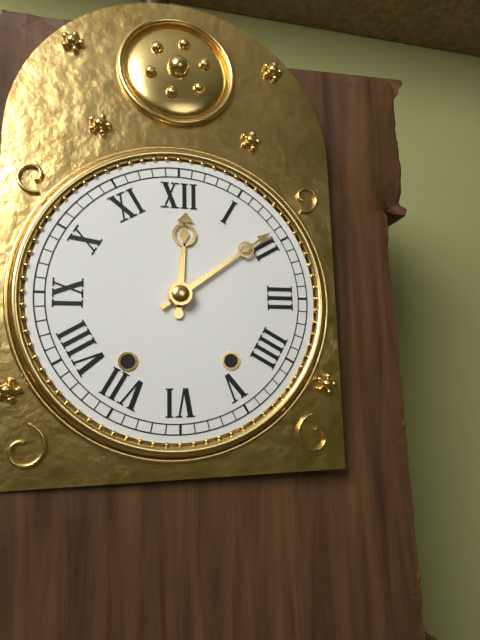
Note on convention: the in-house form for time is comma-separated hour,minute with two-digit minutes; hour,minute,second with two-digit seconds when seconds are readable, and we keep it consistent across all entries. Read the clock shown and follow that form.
12,09
